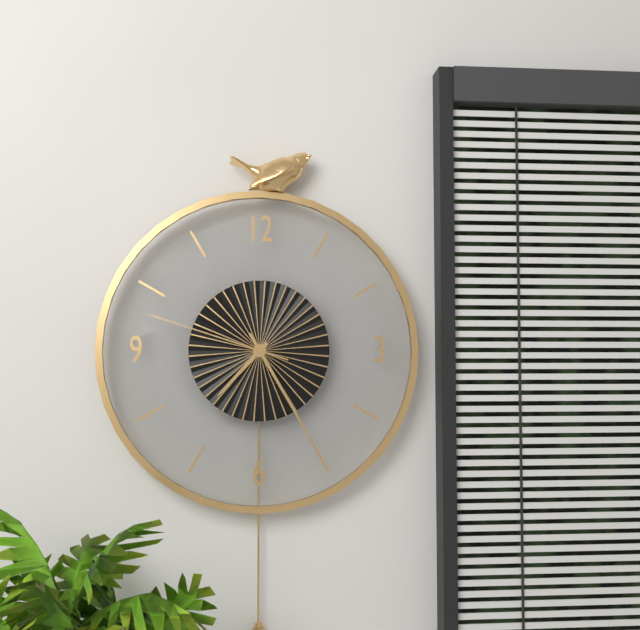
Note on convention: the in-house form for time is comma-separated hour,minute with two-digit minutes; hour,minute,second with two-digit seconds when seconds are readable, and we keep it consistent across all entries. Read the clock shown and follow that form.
7,25,48
